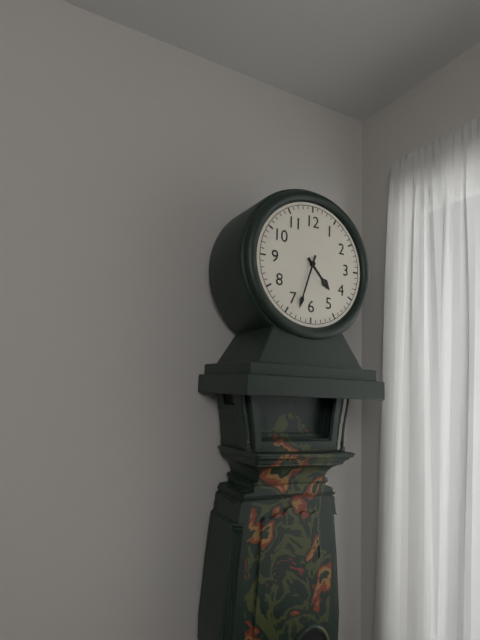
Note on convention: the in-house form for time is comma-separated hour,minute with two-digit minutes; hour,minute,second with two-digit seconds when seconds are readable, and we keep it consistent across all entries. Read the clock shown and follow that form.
4,33
